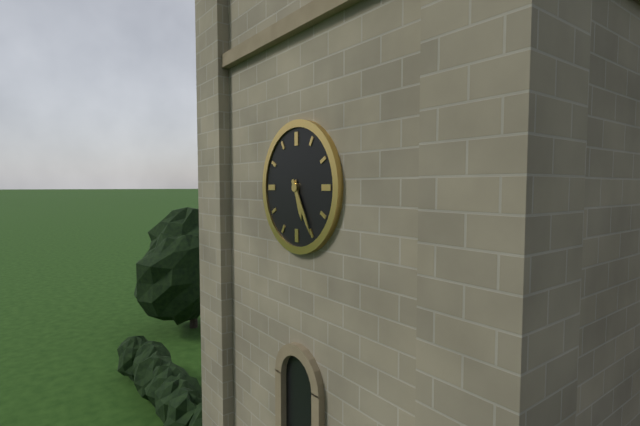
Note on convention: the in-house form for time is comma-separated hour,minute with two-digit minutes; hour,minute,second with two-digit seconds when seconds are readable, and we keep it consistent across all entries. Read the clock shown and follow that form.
5,25
